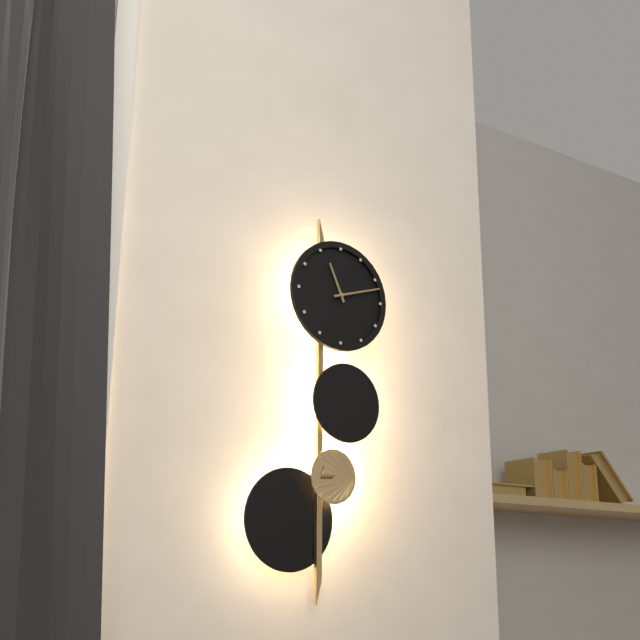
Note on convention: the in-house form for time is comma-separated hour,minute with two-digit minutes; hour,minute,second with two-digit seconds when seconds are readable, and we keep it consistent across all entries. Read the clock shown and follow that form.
11,12
